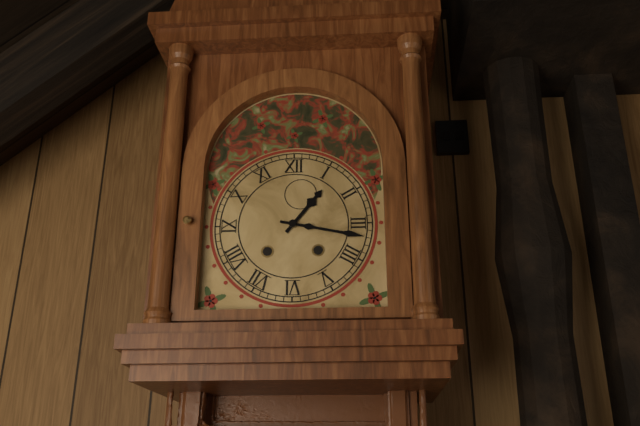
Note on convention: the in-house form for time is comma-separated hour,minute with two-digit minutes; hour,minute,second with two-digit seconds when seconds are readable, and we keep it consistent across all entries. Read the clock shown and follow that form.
1,17
